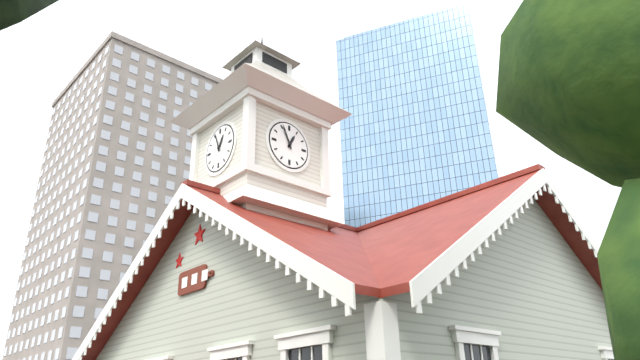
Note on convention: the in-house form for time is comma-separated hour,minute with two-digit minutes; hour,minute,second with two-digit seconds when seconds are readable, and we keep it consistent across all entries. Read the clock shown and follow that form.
12,56
